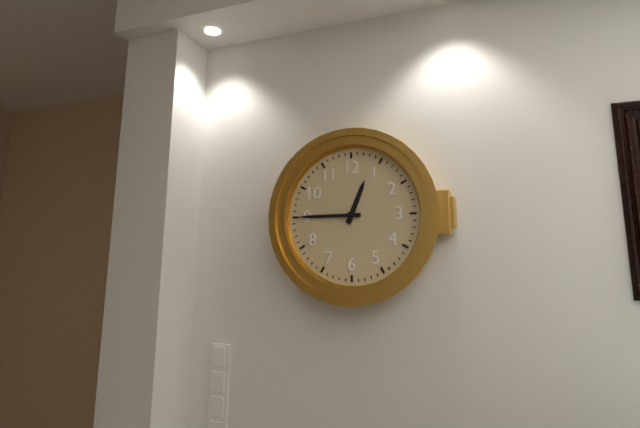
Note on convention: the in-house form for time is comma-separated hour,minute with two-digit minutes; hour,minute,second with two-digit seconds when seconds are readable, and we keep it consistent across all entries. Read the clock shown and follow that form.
12,45
